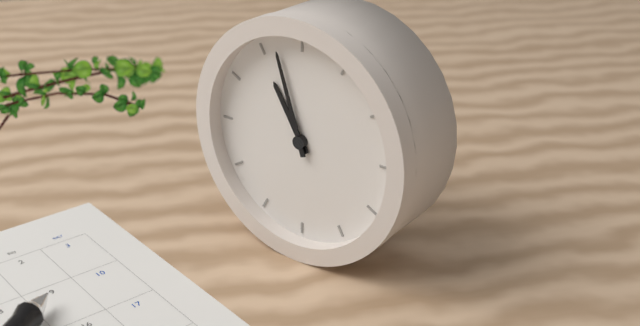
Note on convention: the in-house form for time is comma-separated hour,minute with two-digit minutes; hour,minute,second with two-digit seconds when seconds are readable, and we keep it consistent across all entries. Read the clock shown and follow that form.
10,57
